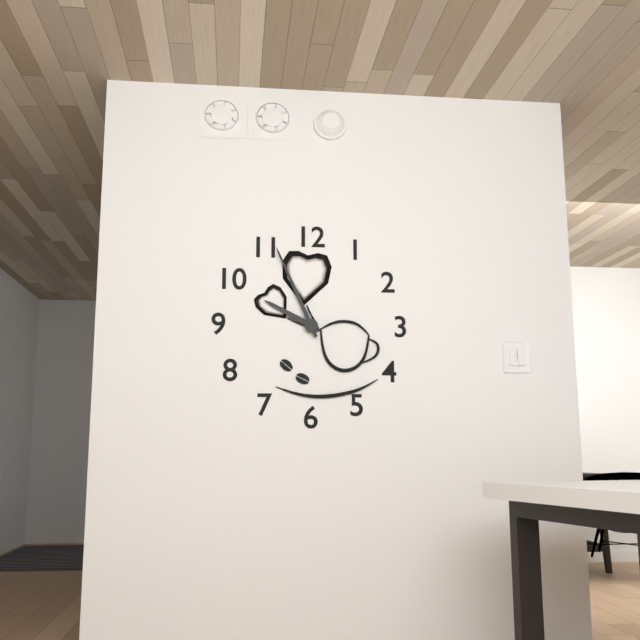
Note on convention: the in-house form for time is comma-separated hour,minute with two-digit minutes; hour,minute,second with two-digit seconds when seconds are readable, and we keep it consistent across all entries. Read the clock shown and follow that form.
9,56
